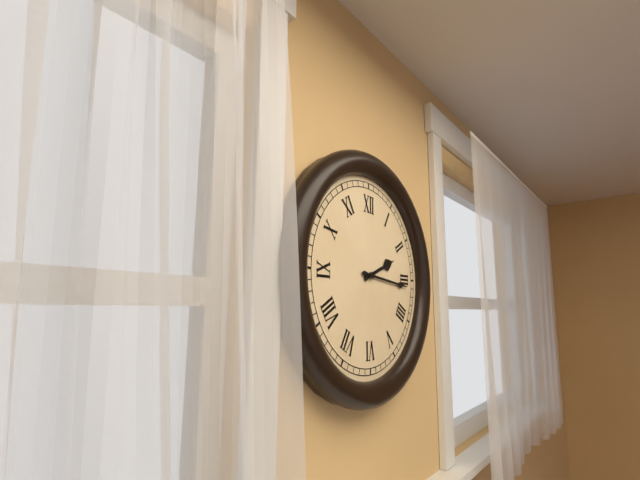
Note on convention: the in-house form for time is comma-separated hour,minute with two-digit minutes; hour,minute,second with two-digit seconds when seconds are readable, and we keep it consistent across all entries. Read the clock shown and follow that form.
2,16
